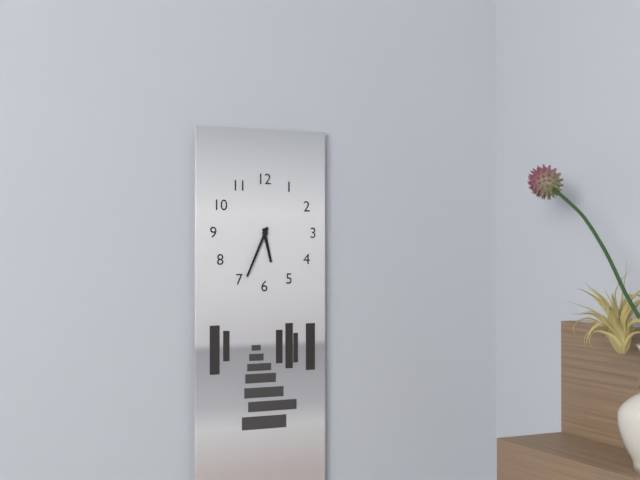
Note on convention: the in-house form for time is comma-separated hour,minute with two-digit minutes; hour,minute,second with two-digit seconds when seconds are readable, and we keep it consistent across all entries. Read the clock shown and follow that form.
5,34
